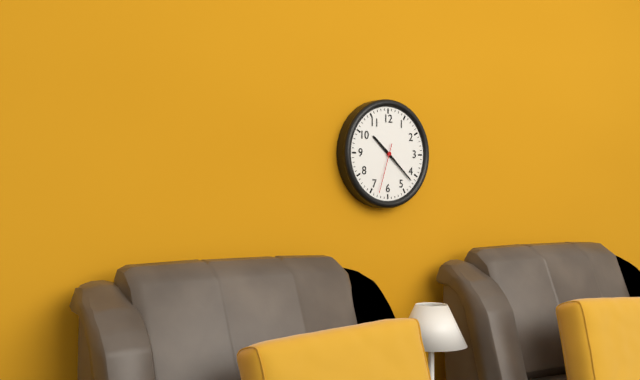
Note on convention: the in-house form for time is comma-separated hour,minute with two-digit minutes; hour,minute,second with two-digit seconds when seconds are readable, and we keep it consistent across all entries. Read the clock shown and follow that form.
10,22,33
